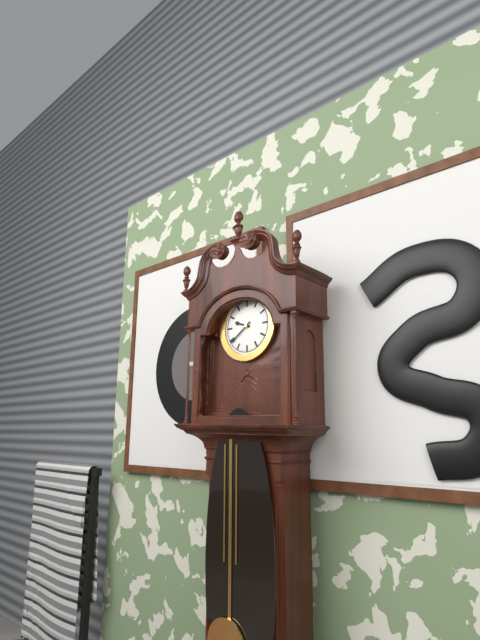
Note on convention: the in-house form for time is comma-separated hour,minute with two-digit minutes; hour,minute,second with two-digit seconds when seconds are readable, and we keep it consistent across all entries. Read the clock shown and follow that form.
9,39
